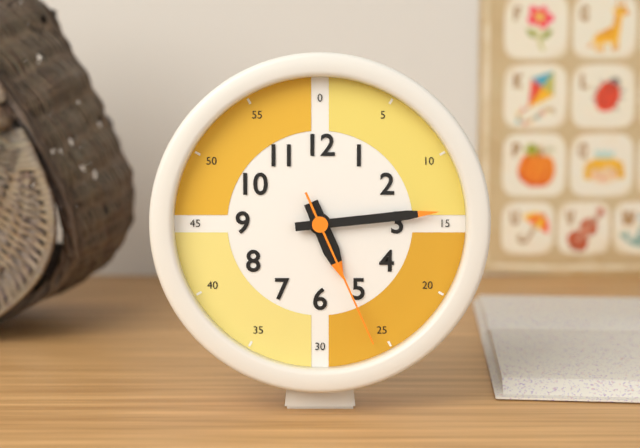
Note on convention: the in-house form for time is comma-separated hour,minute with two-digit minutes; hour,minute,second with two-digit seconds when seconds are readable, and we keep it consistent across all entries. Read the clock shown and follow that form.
5,14,26
